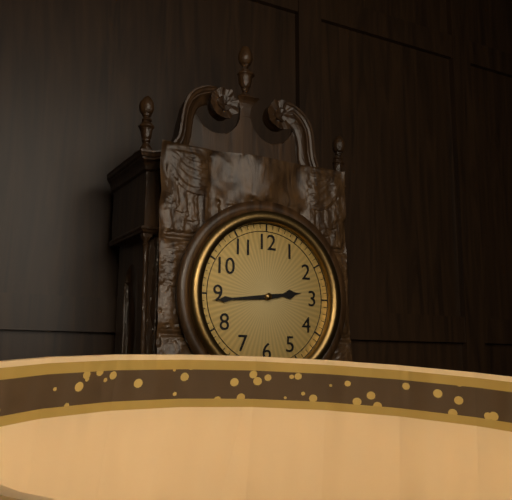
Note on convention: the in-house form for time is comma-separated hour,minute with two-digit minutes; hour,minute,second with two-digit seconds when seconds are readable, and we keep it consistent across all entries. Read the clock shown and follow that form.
2,44
